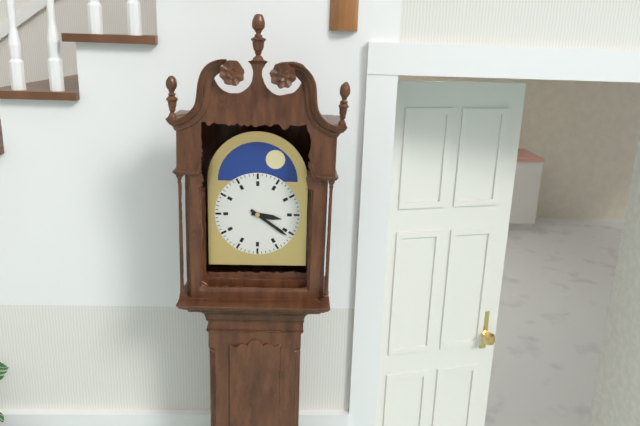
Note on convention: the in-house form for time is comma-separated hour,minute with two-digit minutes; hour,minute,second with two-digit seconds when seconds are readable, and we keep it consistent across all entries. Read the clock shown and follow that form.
3,21
